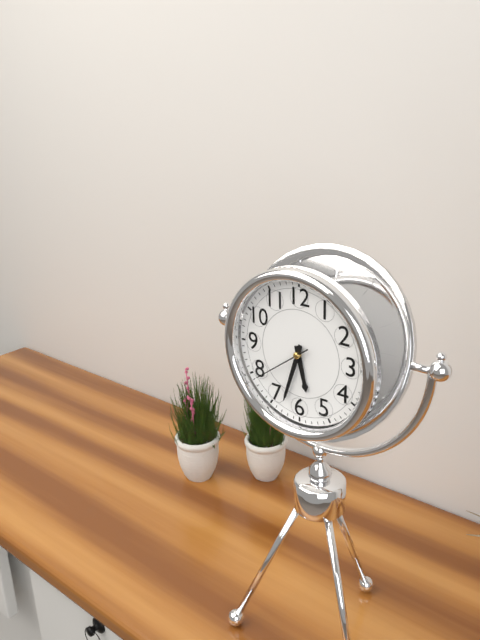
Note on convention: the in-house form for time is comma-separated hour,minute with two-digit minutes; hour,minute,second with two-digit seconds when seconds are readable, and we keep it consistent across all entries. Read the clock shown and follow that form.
5,33,39
